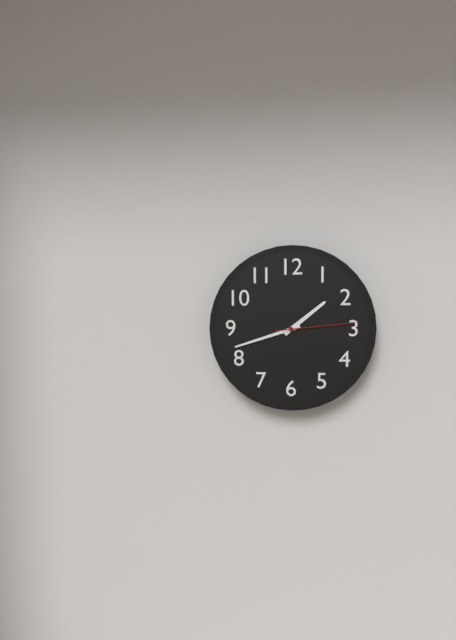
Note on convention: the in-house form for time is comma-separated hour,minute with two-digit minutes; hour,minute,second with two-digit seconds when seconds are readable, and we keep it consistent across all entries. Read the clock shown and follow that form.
1,42,14
